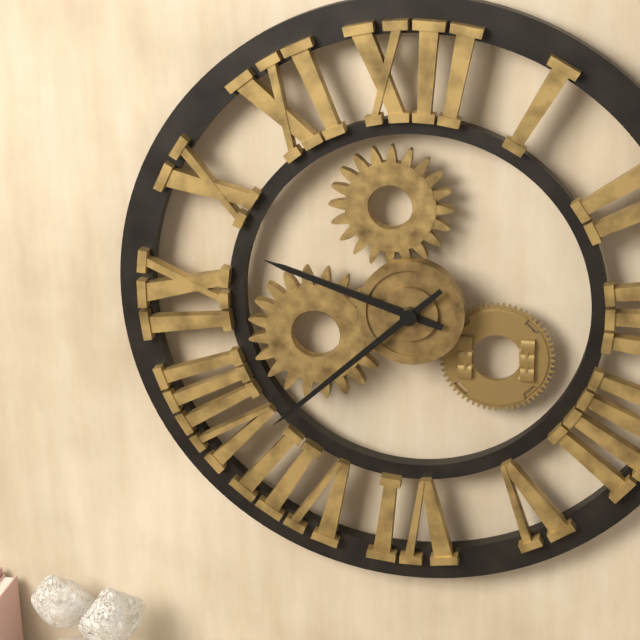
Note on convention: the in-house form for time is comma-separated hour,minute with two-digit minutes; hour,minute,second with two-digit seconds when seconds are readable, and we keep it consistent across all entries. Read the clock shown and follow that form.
9,38
